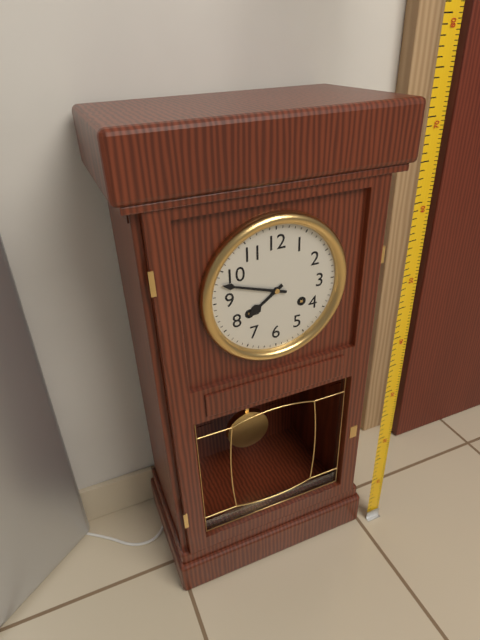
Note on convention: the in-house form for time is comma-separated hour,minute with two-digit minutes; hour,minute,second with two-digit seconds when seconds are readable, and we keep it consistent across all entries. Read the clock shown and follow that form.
7,48
